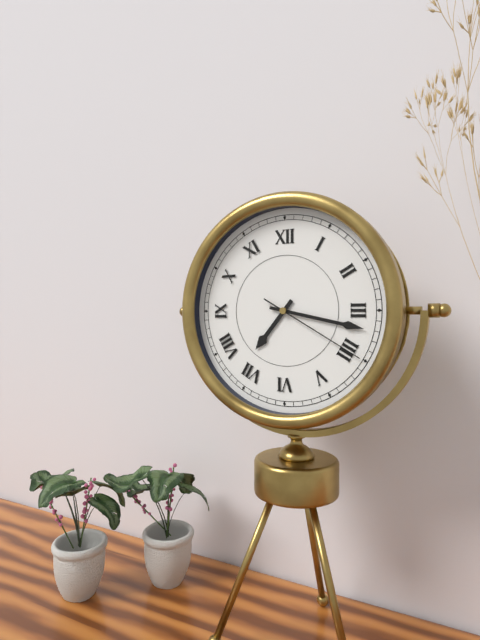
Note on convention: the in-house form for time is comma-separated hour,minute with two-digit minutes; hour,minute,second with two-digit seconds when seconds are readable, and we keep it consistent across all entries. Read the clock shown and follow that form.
7,17,20
